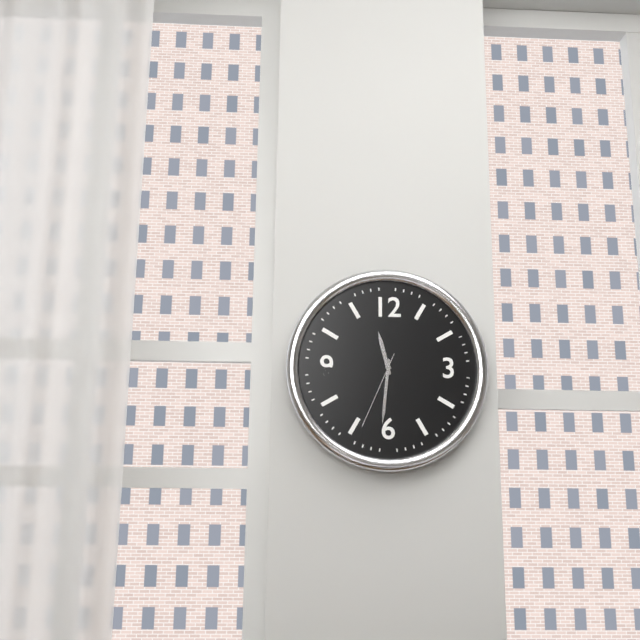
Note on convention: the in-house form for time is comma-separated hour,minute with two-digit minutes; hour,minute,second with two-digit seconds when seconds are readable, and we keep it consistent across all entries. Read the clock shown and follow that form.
11,31,34
